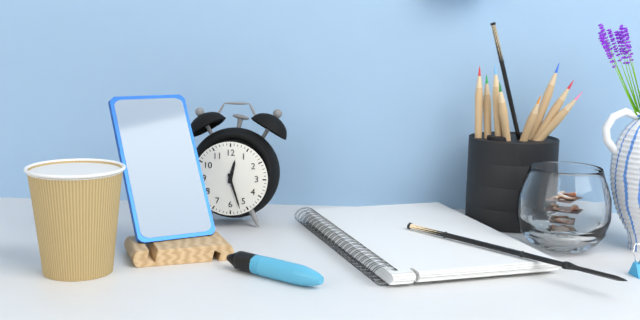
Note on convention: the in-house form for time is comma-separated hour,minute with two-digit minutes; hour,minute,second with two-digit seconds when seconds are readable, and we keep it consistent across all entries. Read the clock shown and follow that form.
12,27
